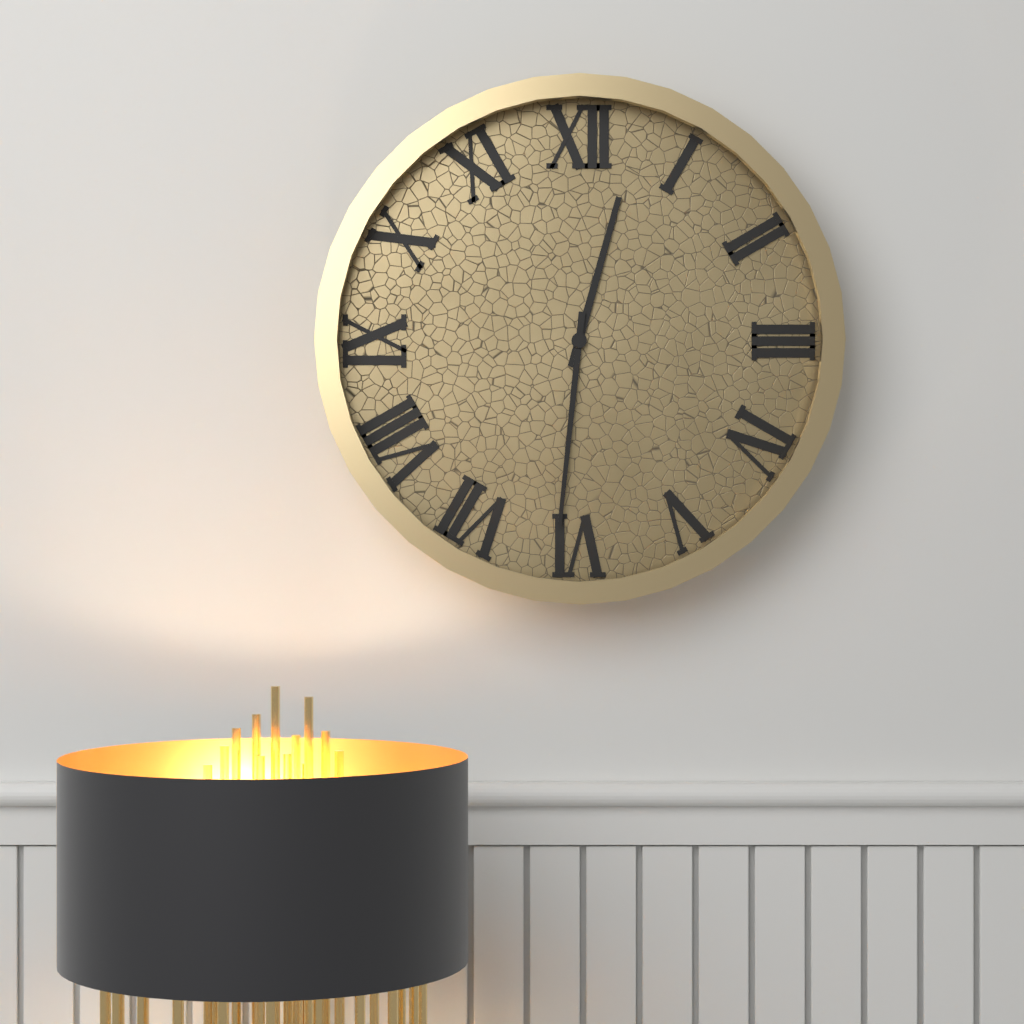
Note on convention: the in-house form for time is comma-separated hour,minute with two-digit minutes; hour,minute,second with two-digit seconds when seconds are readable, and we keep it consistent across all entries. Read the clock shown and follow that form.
12,31
